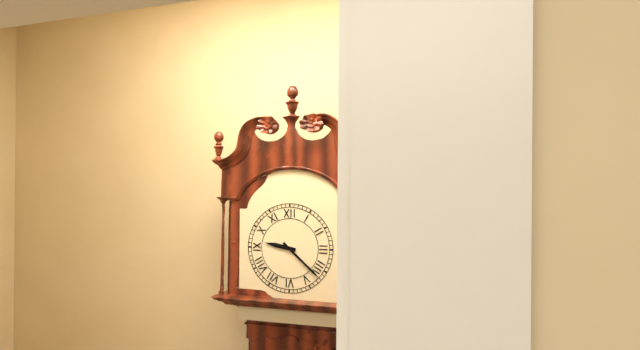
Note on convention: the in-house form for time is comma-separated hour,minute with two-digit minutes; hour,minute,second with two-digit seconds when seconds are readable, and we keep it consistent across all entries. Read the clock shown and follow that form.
9,22
